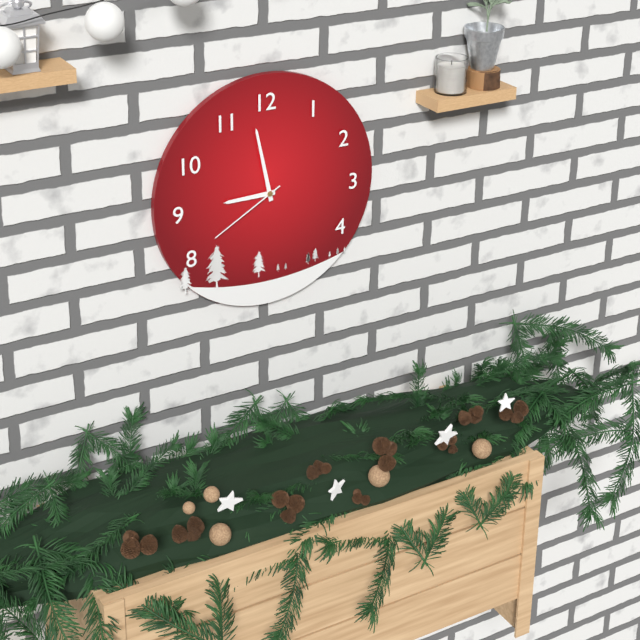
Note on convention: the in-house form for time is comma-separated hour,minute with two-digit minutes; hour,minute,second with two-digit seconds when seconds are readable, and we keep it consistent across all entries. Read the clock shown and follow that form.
8,58,40
